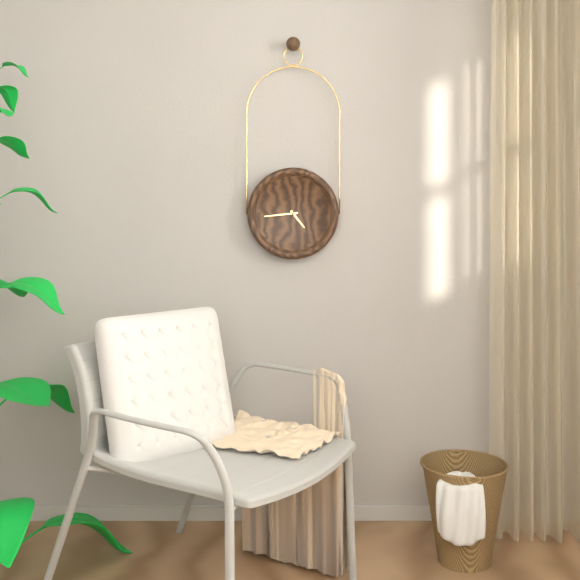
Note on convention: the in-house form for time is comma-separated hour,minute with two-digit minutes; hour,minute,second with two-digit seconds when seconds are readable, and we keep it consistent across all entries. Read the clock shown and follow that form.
4,44
